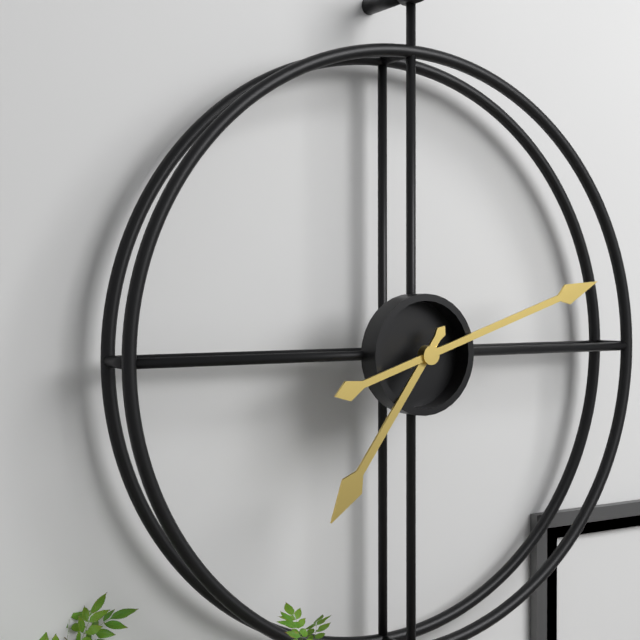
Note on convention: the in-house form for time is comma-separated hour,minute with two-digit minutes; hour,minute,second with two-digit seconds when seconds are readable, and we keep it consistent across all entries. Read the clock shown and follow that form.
7,12
